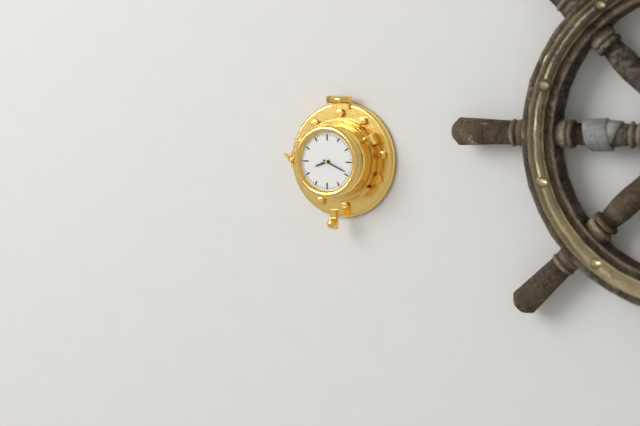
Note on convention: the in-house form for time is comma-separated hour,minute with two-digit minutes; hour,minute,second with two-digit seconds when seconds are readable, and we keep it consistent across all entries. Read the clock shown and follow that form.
8,19
